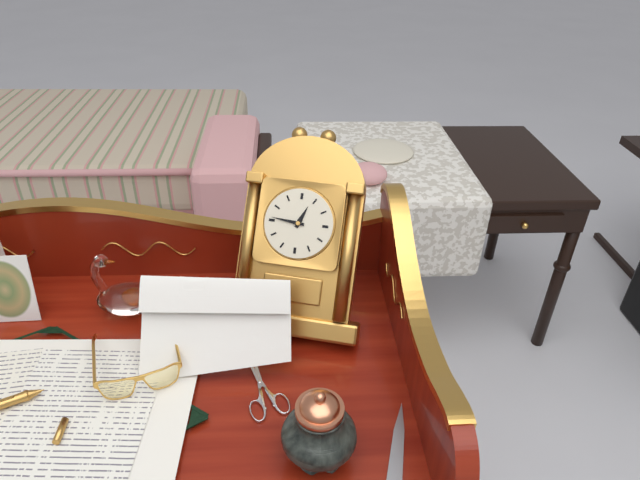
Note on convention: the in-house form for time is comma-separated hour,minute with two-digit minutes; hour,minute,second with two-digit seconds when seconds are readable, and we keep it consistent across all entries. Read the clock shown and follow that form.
12,46
